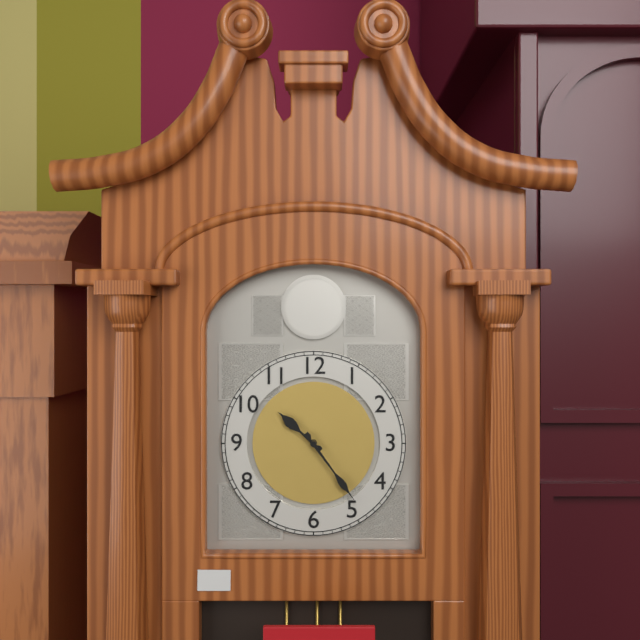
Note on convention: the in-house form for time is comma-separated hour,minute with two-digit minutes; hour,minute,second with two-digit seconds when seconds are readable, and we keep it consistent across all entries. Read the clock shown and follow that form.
10,24
